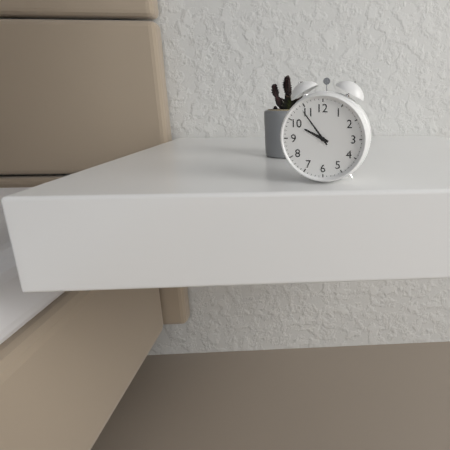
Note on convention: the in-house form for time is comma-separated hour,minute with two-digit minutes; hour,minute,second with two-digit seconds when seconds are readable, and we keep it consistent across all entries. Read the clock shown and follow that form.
9,54
